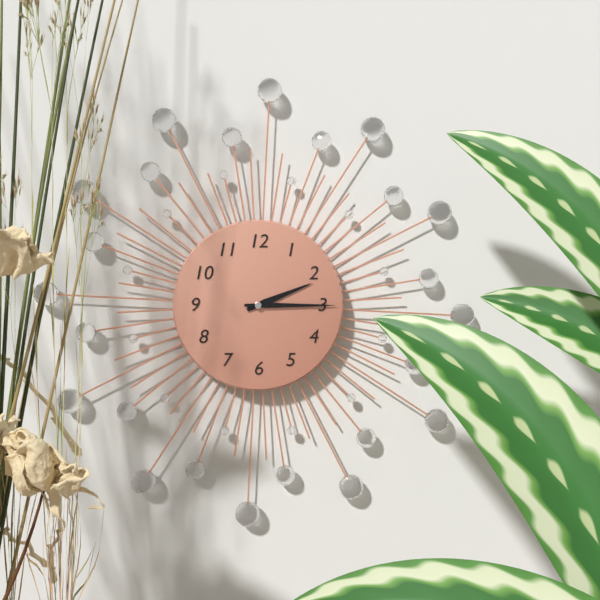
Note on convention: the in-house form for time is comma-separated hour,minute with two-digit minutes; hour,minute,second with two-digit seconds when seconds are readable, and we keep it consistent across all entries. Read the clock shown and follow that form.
2,15
